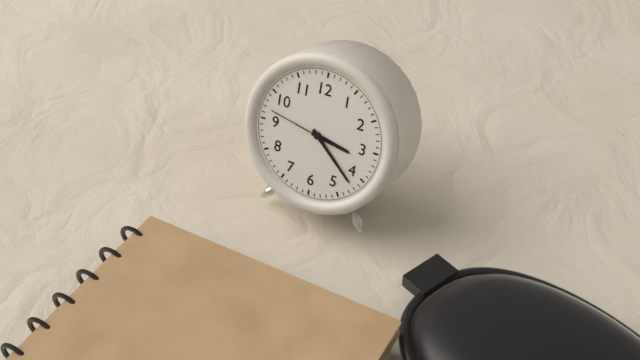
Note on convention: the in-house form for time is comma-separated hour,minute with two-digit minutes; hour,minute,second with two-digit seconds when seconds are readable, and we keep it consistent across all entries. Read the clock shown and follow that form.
3,22,47
